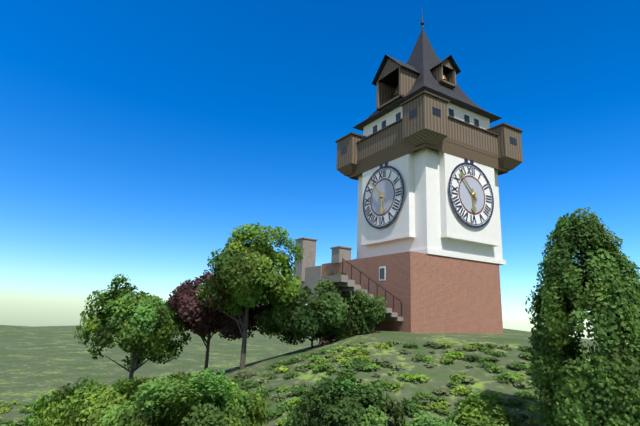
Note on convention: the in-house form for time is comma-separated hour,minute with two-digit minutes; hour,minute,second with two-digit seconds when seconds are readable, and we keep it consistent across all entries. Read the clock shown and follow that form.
5,53
